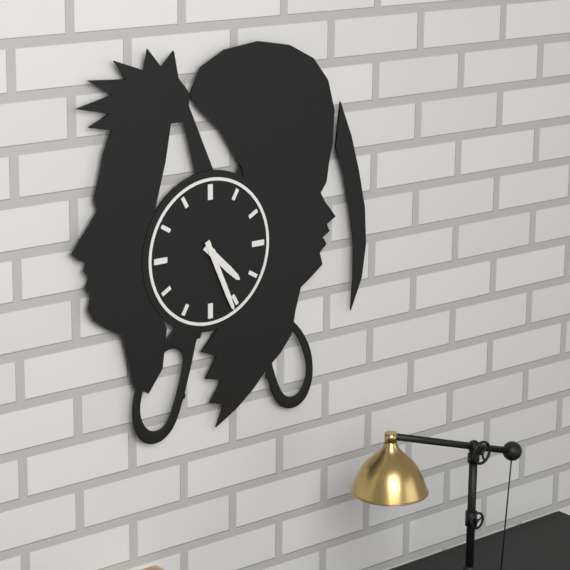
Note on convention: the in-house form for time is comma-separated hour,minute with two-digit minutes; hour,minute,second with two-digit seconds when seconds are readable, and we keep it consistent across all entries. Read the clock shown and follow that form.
4,26
